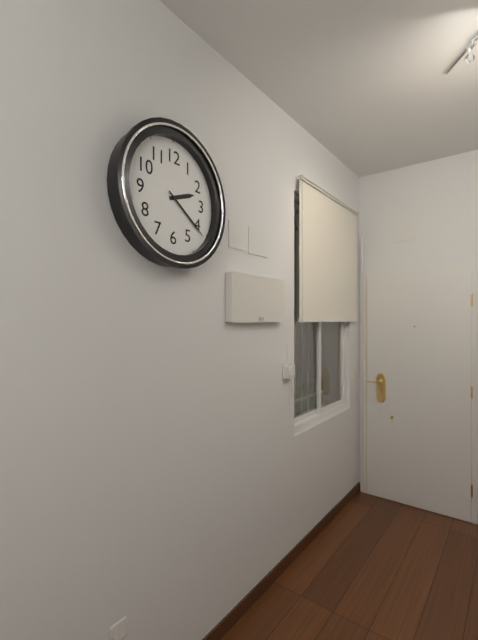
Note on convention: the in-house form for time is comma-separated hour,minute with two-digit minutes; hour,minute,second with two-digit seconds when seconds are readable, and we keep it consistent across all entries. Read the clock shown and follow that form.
2,21
